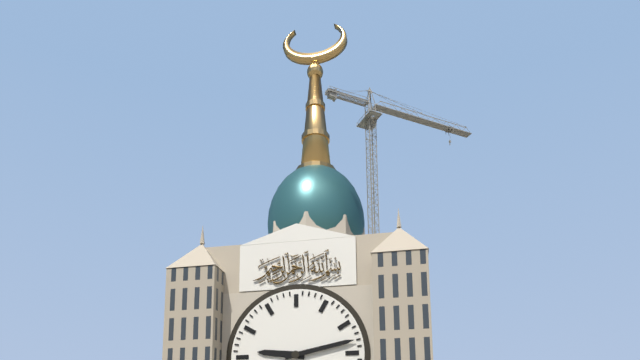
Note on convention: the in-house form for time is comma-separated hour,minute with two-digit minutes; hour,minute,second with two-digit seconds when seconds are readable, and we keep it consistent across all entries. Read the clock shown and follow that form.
9,13
